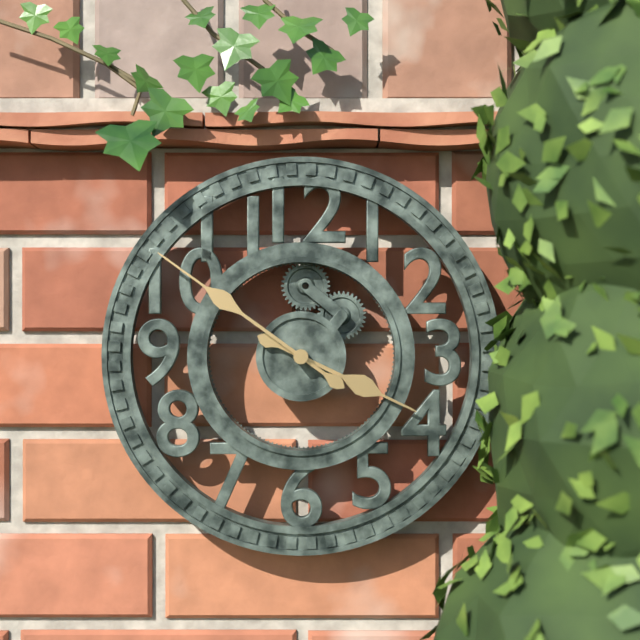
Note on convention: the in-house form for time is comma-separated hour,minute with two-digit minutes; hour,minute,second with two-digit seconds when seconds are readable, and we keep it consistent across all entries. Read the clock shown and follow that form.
3,51
